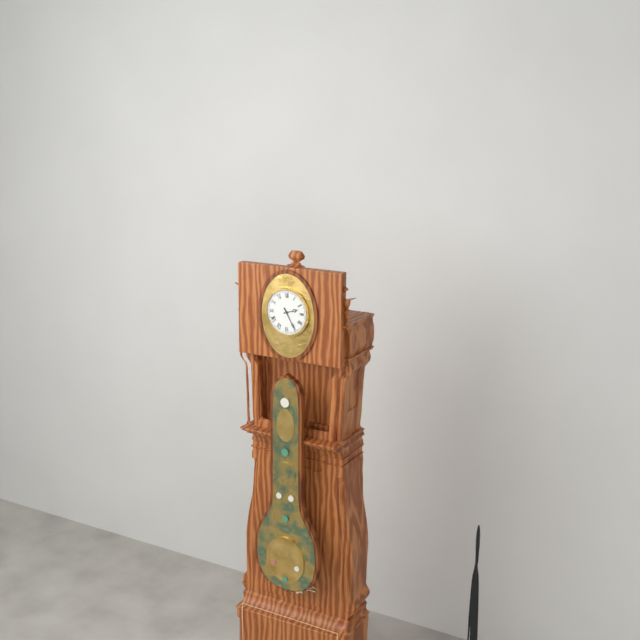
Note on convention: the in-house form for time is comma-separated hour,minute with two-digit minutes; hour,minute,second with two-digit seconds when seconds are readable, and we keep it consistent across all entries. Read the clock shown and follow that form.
2,25
